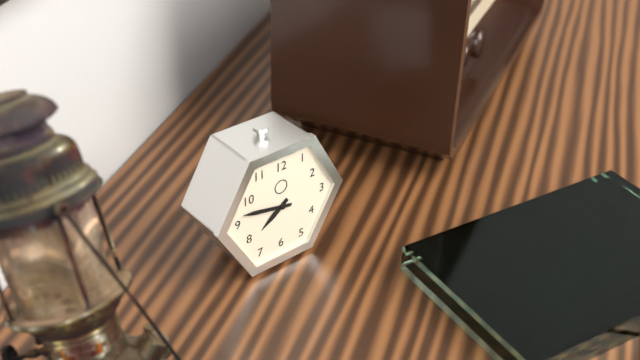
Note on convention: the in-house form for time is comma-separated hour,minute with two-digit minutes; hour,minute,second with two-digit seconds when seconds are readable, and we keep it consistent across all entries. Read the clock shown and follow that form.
7,47
